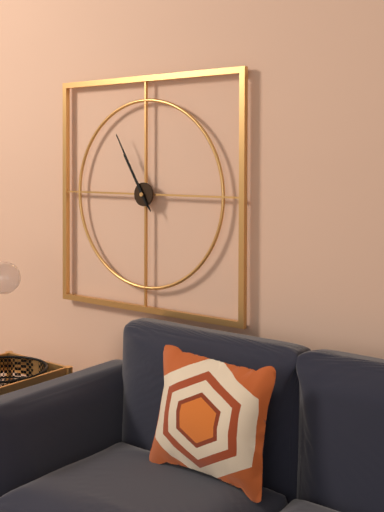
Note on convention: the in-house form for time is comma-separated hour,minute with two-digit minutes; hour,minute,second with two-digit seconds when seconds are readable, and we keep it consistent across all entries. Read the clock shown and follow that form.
10,55
